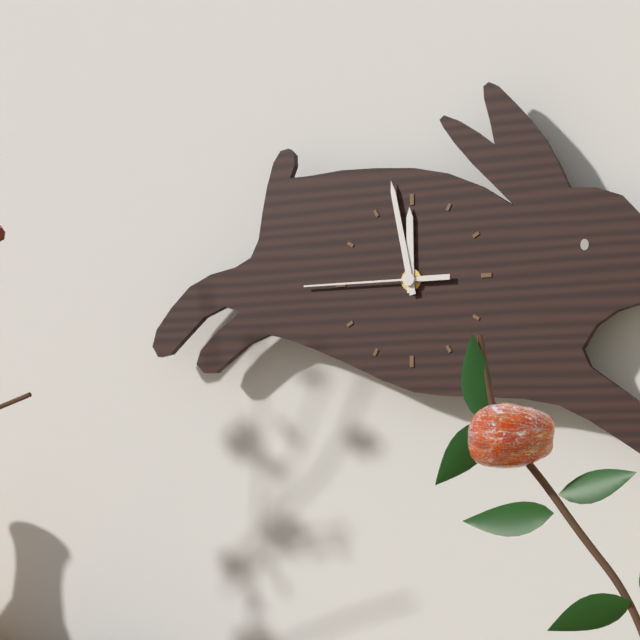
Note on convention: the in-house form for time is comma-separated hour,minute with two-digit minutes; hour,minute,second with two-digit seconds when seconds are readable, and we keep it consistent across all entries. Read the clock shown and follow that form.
11,58,45
